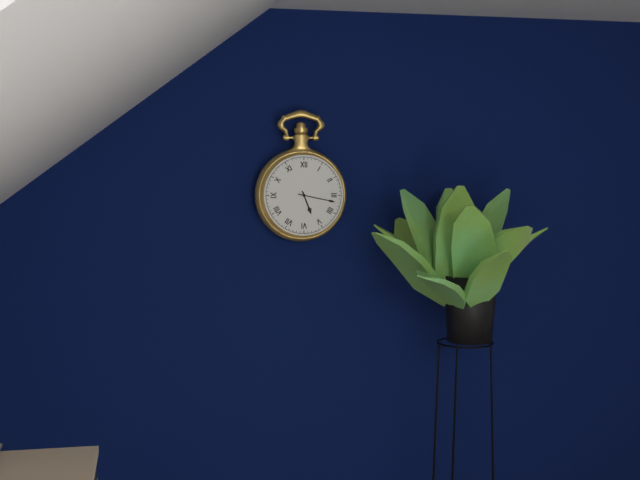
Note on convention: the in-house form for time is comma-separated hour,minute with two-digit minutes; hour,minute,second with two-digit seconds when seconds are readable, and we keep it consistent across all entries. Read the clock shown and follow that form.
5,17
